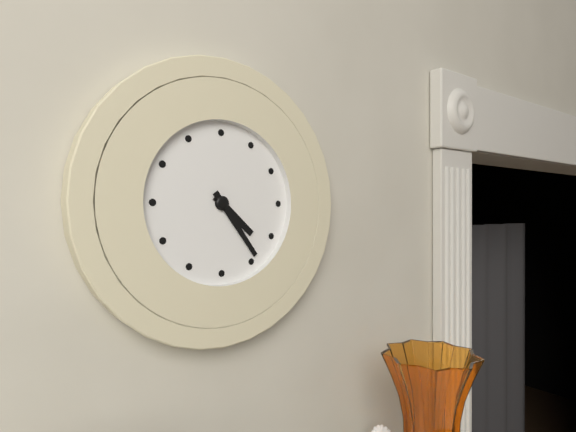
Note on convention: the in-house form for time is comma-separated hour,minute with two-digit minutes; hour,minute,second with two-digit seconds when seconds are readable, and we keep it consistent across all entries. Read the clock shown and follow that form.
4,24
